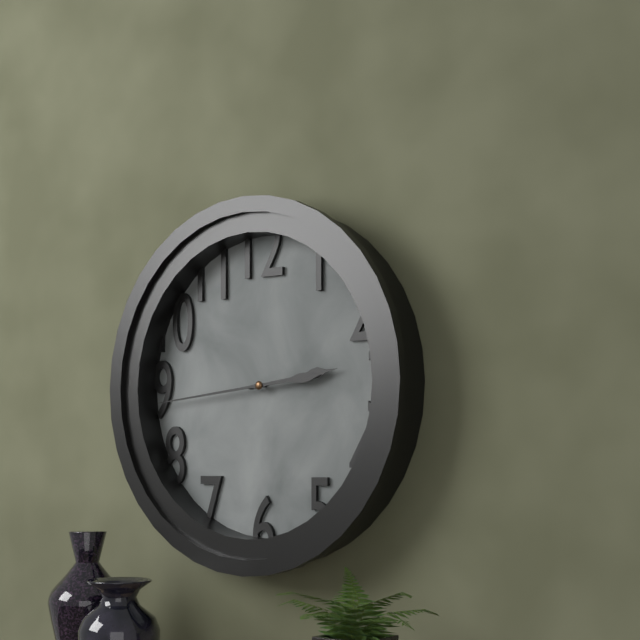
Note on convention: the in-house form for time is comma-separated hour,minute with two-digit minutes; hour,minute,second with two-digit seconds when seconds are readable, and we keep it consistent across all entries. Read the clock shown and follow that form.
2,44
